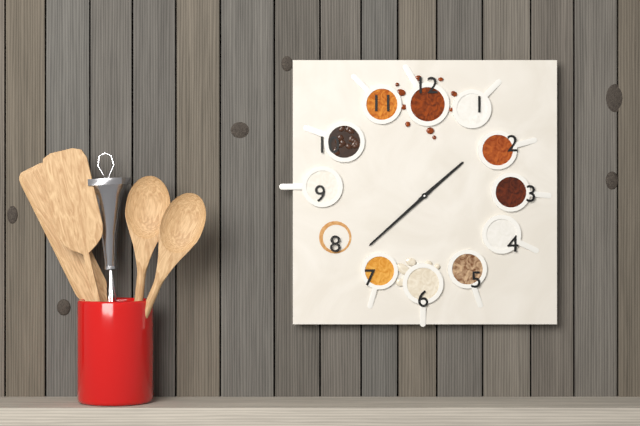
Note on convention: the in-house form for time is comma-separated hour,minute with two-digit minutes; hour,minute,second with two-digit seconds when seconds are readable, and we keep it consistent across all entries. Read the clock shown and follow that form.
1,38
